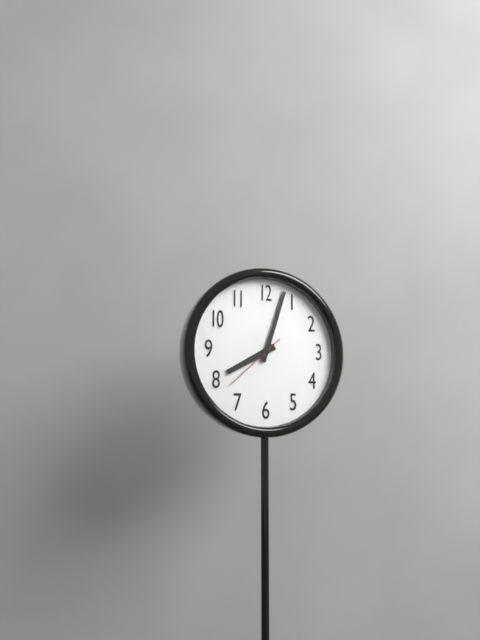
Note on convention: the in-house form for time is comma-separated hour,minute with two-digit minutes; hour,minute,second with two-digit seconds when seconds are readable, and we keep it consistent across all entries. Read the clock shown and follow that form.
8,03,38
